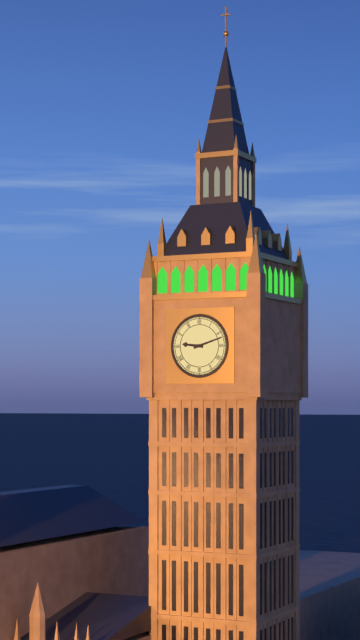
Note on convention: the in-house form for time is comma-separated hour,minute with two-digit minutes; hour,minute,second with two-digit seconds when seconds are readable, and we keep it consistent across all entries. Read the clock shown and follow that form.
9,12
